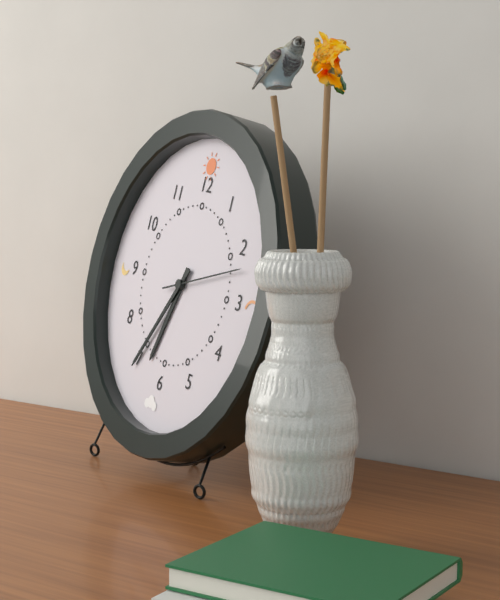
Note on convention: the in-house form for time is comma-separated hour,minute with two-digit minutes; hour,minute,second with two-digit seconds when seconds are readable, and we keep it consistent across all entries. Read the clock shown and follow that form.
6,35,12
